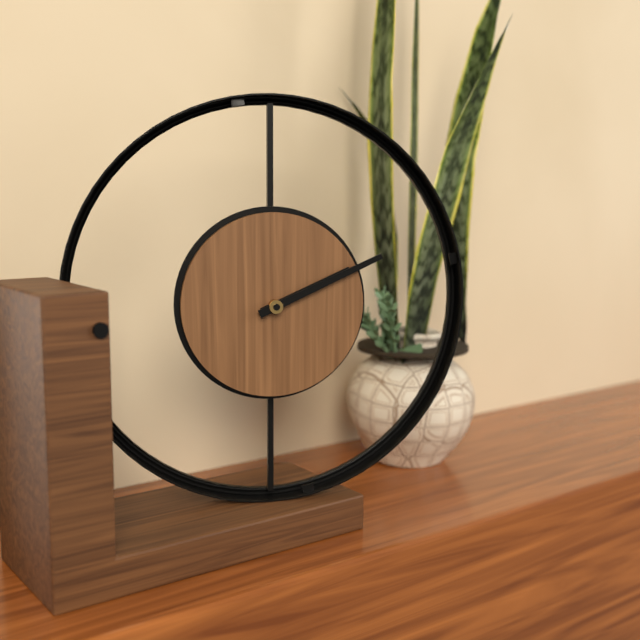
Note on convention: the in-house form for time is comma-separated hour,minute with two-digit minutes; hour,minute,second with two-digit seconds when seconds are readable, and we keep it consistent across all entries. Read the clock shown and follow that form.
2,11
